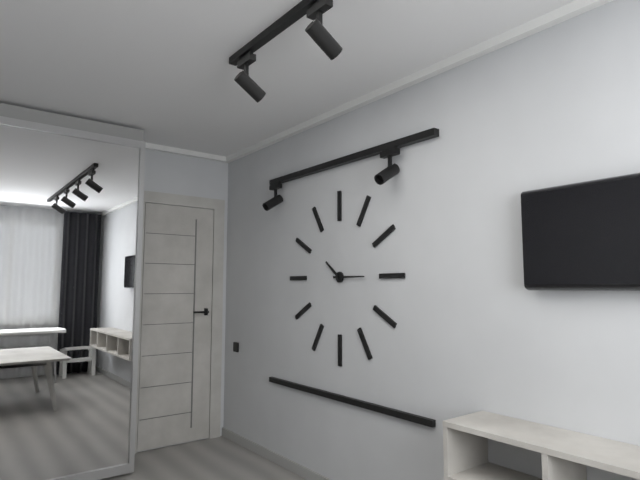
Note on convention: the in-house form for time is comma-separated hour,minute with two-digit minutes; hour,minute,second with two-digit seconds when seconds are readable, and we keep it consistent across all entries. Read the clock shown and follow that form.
10,15
